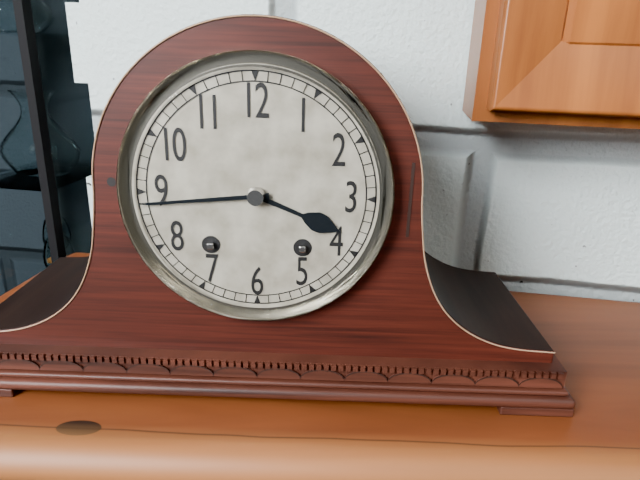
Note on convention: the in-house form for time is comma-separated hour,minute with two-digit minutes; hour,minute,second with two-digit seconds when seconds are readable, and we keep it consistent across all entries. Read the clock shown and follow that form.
3,44
